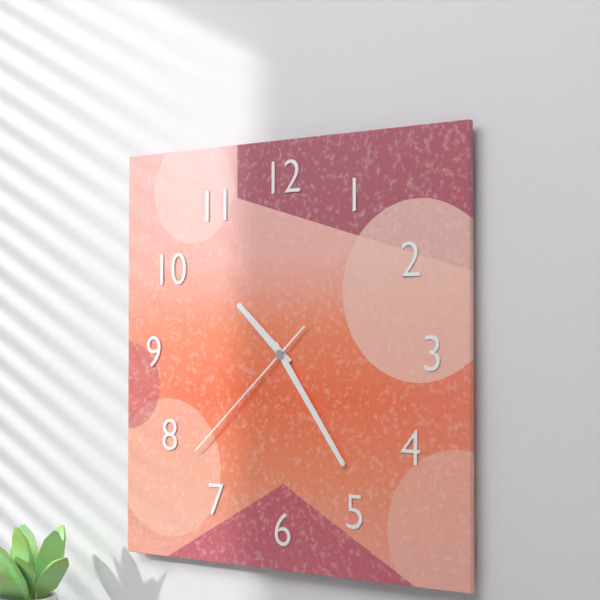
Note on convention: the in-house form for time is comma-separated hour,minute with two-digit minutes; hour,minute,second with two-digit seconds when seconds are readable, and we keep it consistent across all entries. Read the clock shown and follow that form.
10,24,38
